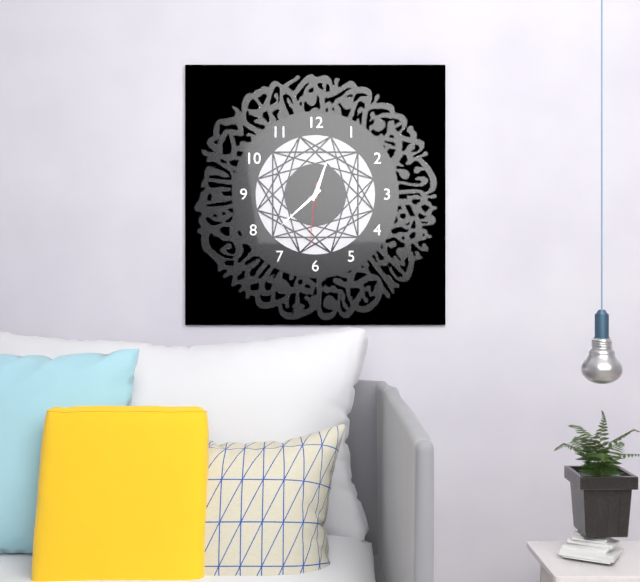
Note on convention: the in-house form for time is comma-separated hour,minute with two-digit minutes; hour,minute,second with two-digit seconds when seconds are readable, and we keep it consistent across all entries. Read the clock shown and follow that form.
12,38,31
